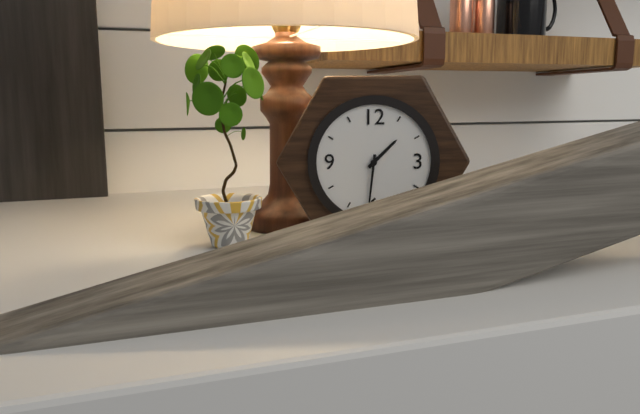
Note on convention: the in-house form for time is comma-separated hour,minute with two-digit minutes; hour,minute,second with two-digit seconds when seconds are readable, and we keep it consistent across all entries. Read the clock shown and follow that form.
1,31
